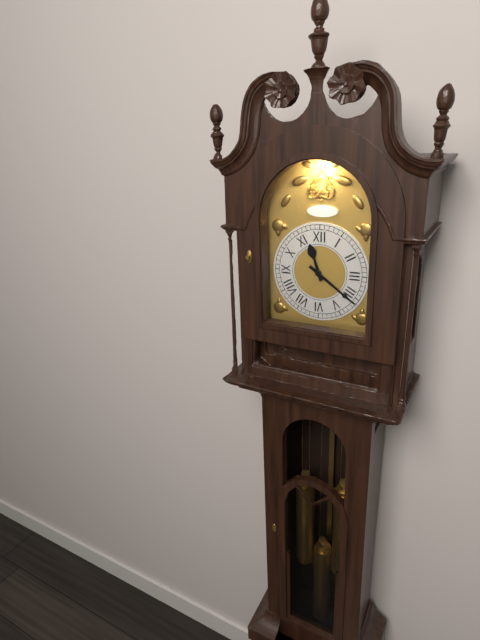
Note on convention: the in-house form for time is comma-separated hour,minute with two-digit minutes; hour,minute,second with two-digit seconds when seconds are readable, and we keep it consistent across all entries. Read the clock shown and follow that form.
11,21
